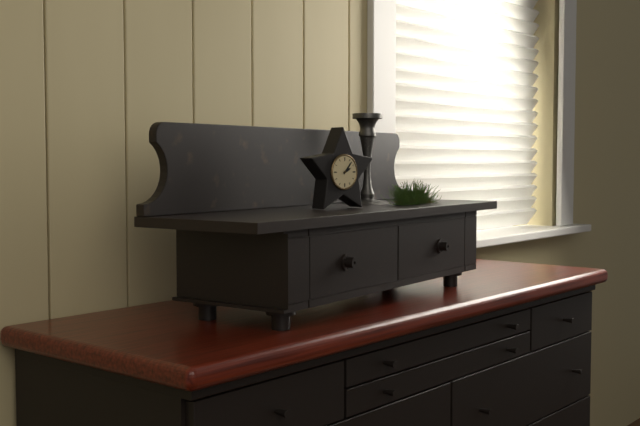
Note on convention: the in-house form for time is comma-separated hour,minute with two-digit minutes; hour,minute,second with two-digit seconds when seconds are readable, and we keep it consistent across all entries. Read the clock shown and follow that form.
2,07
